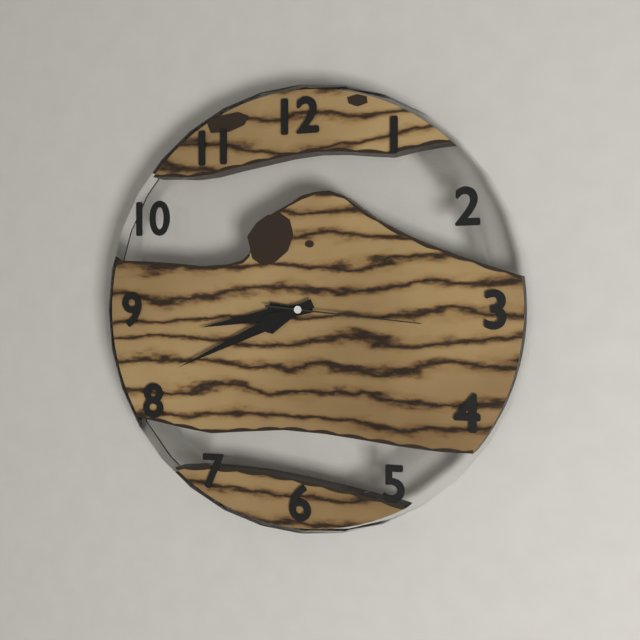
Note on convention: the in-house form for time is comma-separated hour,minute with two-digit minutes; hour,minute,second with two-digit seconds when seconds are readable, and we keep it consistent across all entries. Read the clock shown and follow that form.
8,41,16
